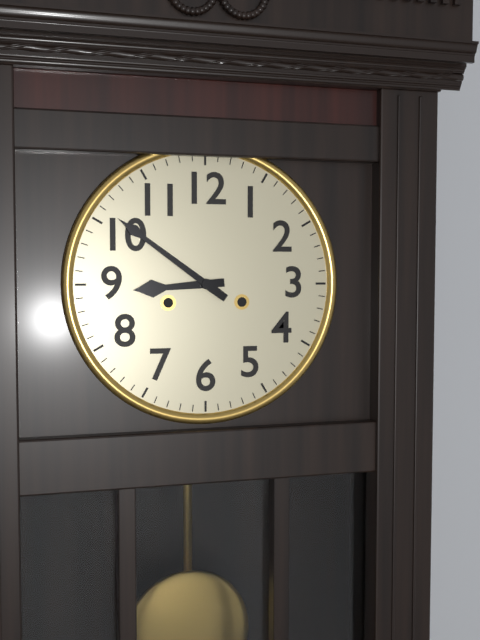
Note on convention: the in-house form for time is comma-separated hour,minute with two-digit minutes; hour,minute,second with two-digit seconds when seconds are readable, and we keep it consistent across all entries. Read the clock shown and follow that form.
8,51
